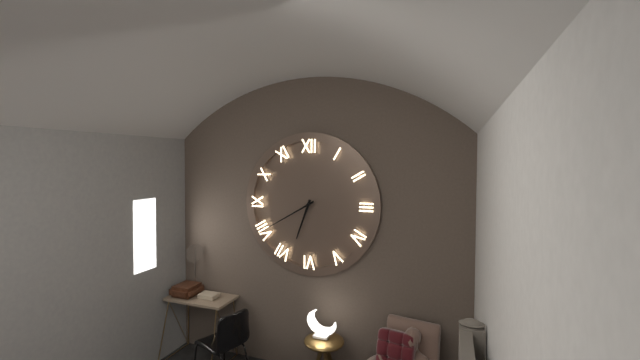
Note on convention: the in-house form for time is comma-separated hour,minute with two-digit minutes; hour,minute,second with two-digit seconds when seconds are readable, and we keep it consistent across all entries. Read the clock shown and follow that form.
6,40
